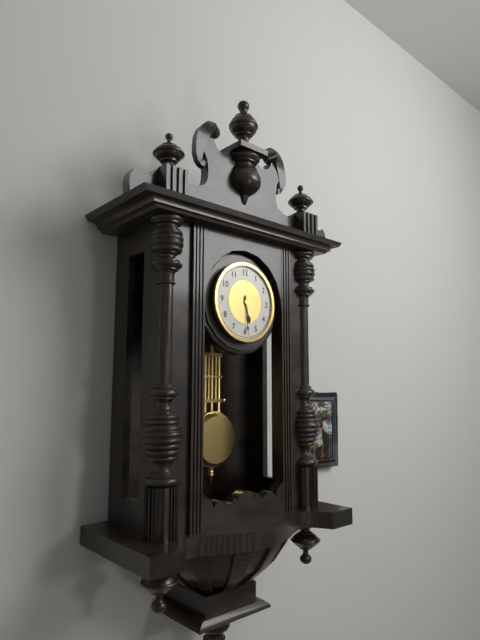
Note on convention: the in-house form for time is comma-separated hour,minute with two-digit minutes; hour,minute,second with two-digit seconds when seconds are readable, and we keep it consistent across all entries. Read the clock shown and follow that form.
5,29
